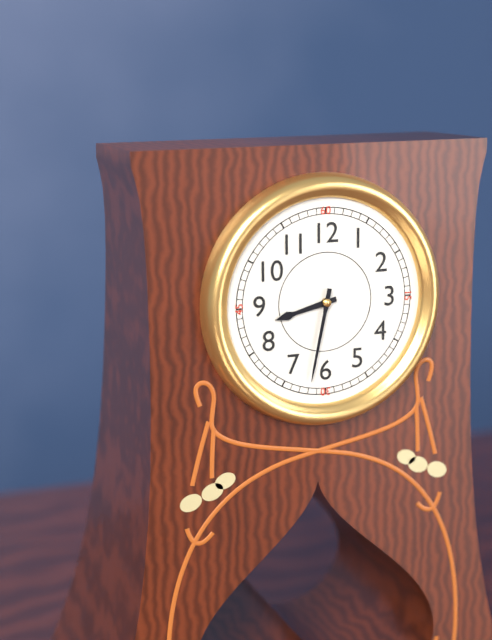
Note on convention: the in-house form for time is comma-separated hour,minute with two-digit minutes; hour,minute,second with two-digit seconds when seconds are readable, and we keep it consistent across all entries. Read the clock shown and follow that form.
8,32
